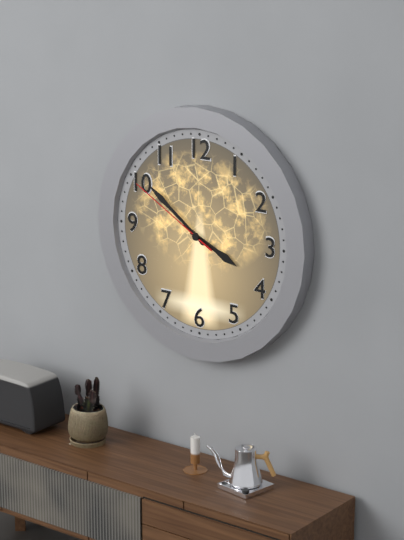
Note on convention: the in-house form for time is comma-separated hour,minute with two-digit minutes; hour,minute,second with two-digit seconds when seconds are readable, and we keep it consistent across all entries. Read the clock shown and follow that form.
3,51,50
